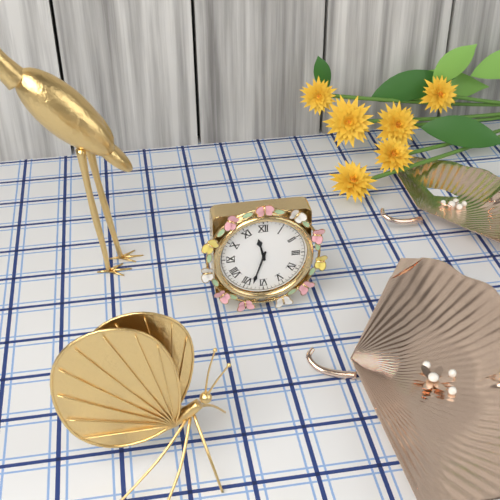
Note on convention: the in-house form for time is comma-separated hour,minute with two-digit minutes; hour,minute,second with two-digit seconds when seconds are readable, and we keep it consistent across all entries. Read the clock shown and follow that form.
11,33
